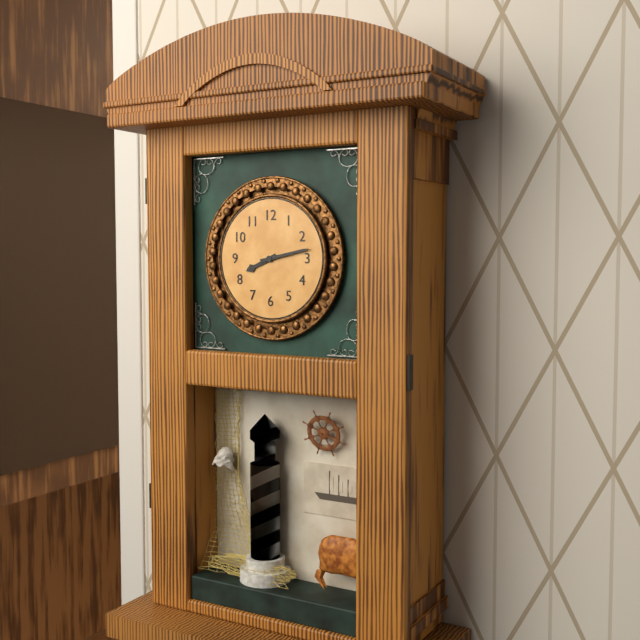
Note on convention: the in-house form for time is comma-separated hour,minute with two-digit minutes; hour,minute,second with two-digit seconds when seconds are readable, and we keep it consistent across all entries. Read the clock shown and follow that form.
8,13
